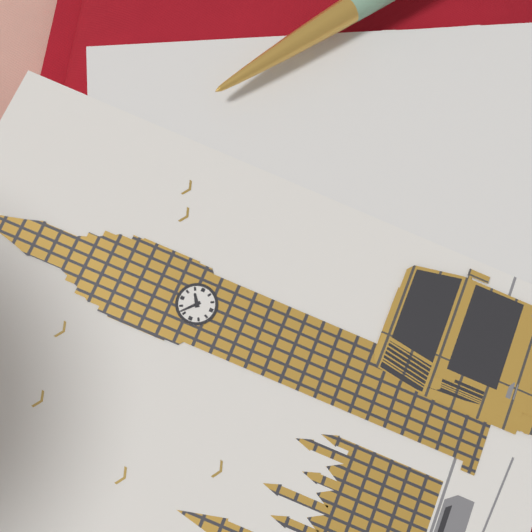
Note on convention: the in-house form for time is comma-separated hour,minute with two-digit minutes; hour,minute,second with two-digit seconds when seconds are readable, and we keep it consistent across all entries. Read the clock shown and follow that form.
1,52
